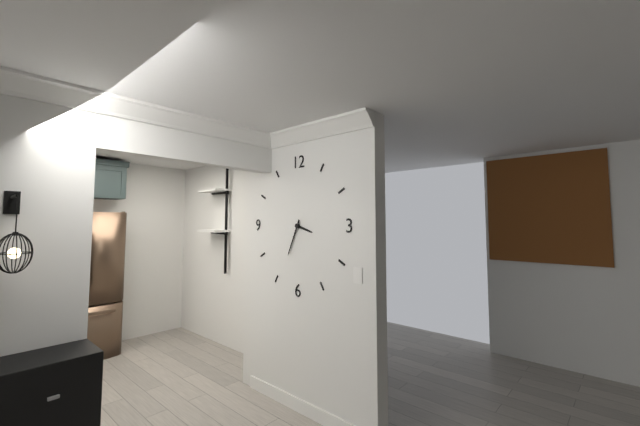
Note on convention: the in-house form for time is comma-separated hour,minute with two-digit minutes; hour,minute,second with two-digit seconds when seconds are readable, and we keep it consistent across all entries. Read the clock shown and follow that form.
3,34
